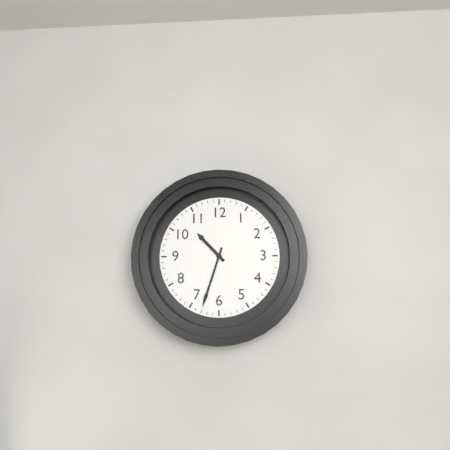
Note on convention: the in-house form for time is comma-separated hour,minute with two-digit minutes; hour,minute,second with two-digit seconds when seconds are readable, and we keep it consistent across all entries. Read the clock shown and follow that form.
10,33
